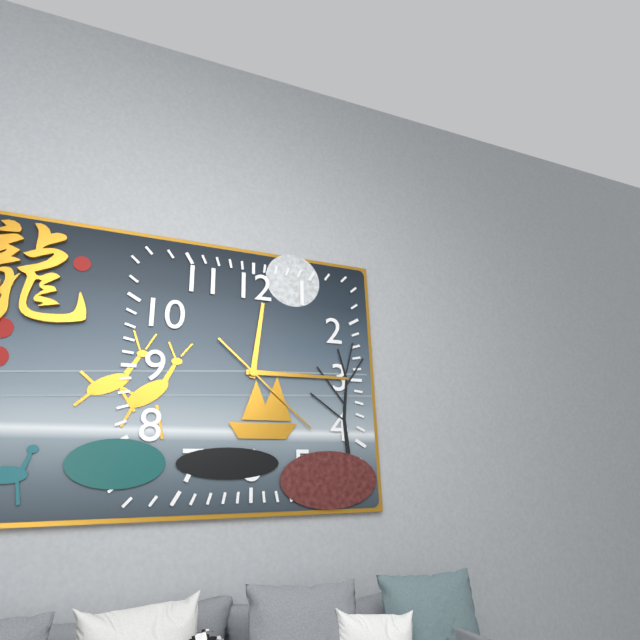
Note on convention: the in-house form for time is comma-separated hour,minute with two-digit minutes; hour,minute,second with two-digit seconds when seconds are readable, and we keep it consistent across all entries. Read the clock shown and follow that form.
12,15,22
